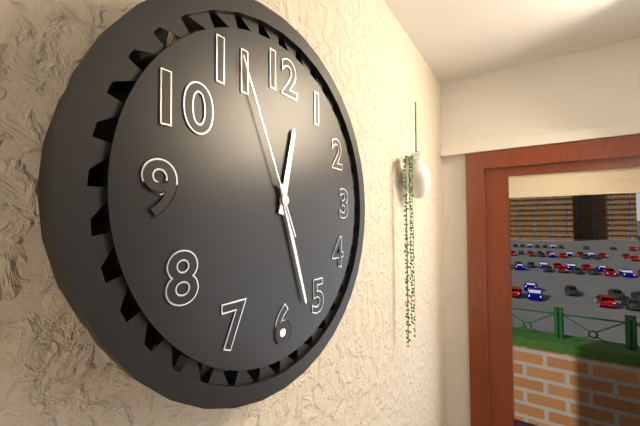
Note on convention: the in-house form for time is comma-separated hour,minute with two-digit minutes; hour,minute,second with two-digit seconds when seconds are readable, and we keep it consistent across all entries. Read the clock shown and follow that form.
12,27,56
